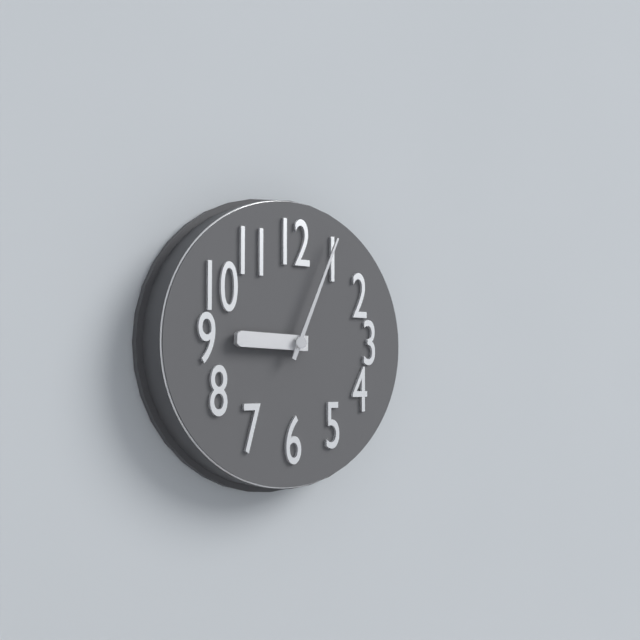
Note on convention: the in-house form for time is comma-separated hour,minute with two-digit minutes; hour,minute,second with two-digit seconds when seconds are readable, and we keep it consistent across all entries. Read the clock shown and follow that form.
9,04
